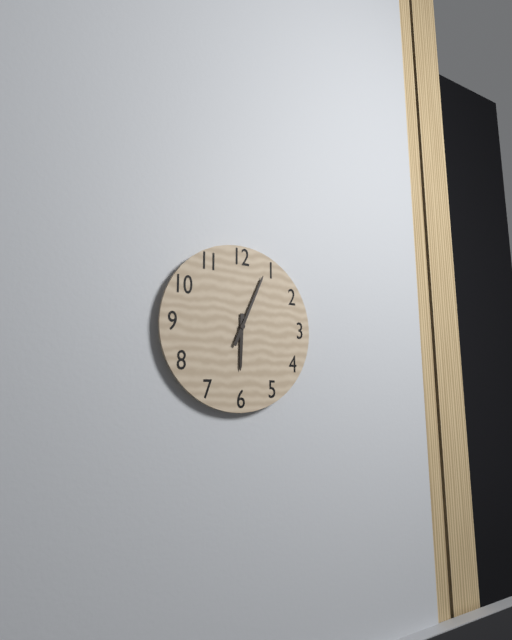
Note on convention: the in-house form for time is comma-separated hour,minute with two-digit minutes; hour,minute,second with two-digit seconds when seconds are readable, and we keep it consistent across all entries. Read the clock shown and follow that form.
6,04
